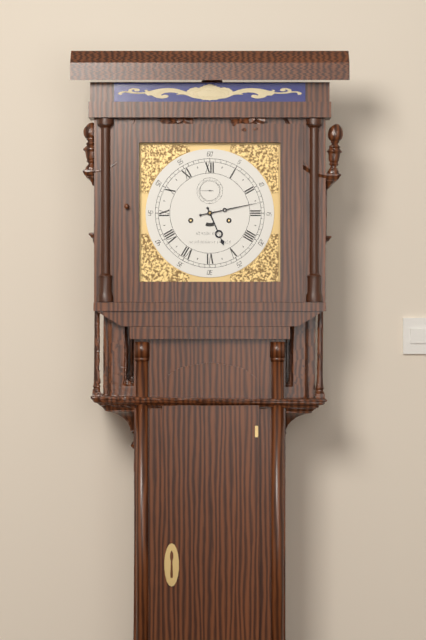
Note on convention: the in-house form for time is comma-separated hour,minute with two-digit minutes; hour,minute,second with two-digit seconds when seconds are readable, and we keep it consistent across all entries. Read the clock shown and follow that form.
5,13
